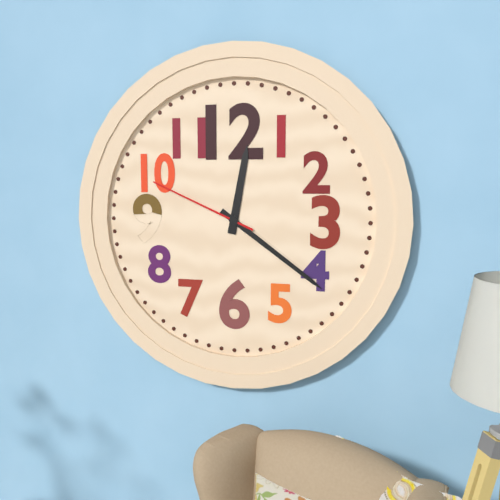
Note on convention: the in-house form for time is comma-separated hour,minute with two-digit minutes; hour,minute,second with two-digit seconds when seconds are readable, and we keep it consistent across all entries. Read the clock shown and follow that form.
12,21,49
